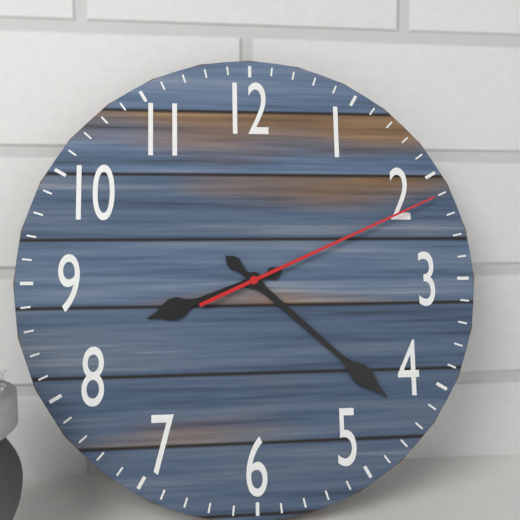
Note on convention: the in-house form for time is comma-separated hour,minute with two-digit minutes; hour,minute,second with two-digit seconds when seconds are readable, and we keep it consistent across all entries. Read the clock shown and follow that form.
8,22,11
